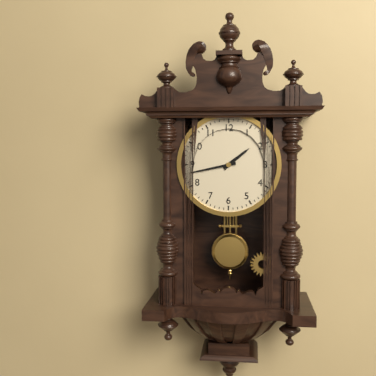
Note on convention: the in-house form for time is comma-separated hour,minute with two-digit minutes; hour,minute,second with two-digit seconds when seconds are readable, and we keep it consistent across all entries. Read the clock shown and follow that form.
1,43
